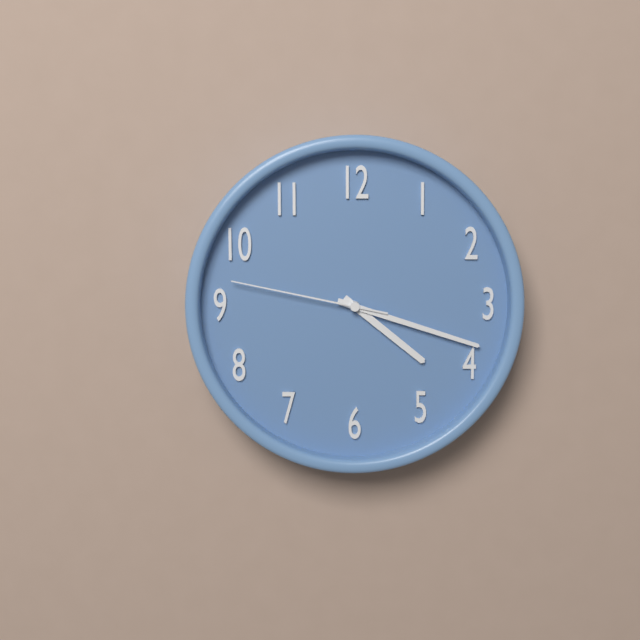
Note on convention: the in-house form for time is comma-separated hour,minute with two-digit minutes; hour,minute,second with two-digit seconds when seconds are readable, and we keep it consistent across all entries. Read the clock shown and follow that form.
4,18,47
